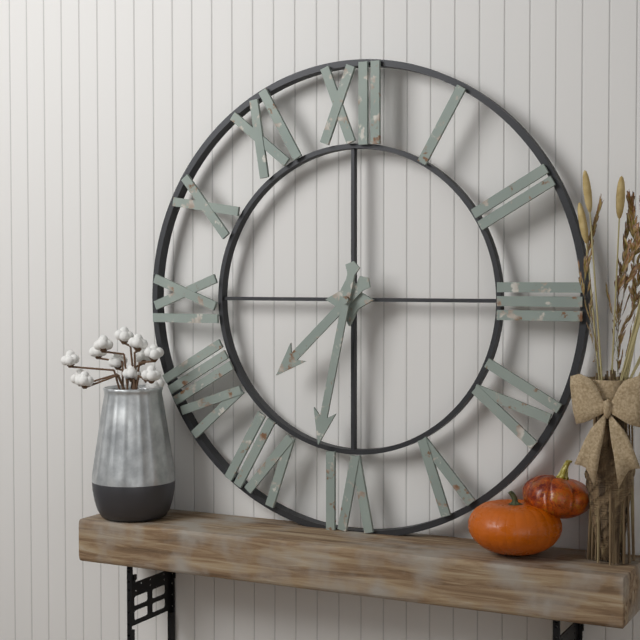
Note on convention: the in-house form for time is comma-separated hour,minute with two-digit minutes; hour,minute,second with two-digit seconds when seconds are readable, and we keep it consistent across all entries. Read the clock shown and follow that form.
7,32
